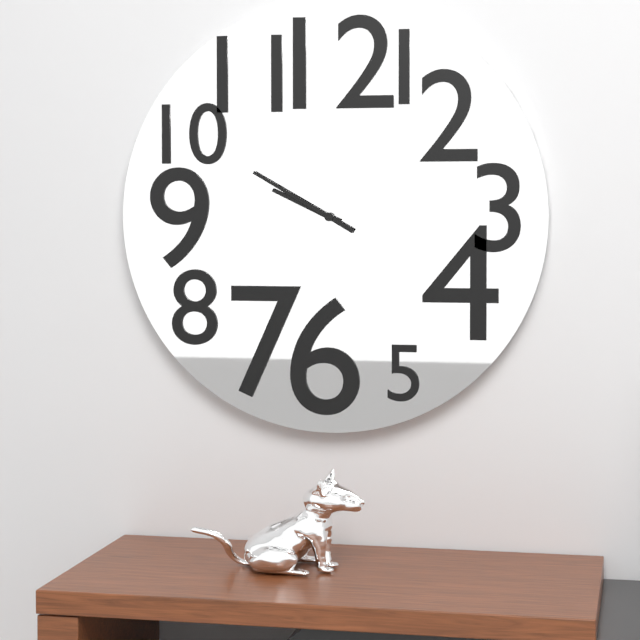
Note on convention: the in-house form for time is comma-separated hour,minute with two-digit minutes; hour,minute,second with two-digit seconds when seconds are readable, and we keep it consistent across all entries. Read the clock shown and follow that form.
9,50
